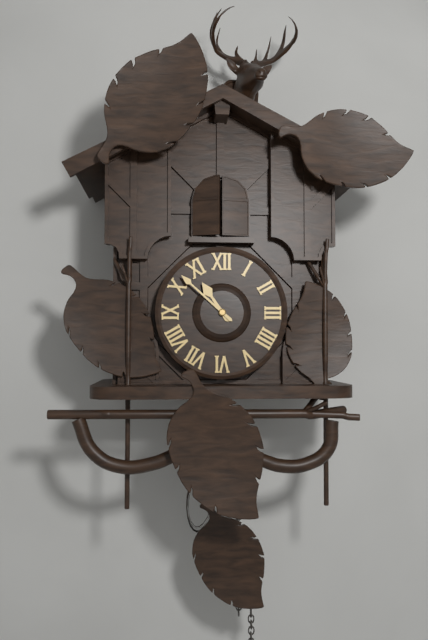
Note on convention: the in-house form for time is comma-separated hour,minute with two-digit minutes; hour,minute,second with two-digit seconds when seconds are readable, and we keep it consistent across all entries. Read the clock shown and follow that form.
10,52
